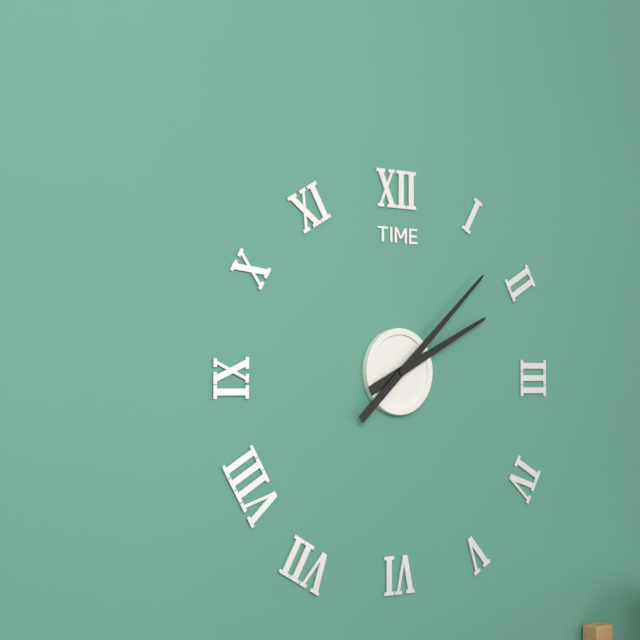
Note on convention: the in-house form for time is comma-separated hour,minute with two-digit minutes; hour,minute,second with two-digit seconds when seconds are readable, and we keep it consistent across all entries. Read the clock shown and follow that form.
2,08
